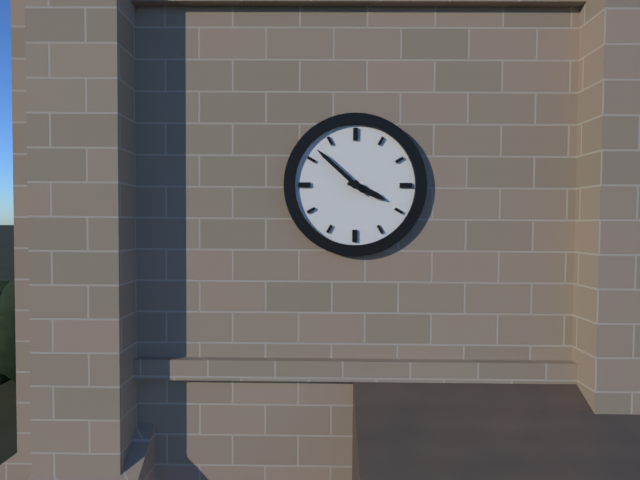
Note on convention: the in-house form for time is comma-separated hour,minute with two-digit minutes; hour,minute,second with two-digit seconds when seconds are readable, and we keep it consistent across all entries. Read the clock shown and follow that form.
3,52
